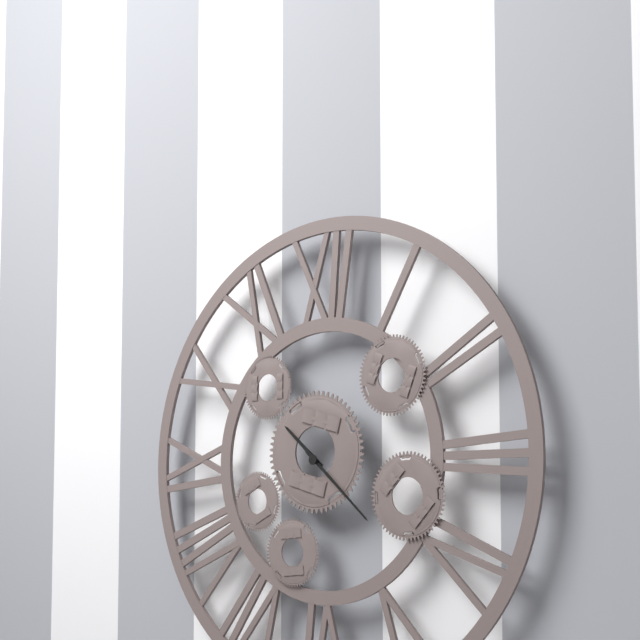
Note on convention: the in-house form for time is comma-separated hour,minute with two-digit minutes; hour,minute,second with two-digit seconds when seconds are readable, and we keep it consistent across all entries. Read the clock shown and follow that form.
10,22
